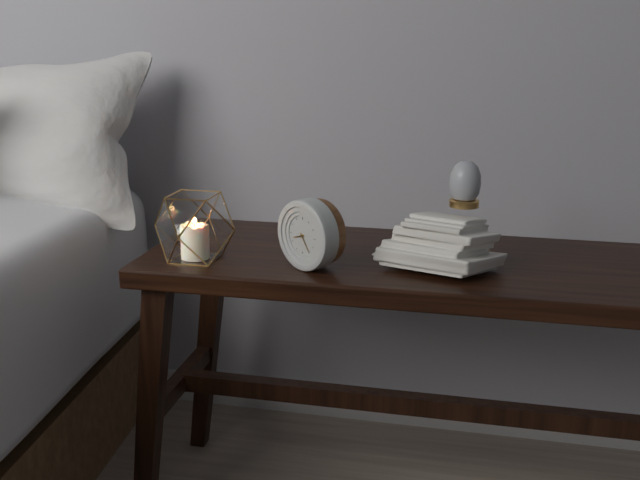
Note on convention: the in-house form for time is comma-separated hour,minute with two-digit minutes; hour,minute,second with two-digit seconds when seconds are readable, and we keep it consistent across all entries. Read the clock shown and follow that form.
8,24
